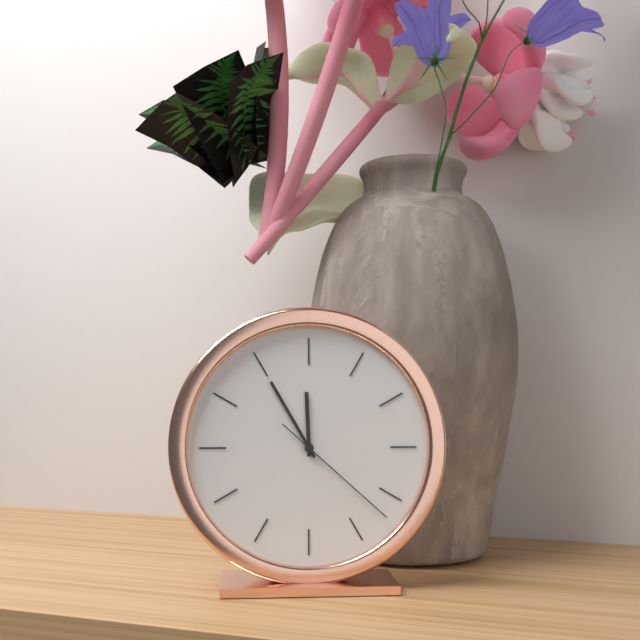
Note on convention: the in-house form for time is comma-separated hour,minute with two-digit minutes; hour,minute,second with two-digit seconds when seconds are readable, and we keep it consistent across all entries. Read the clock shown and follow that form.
11,55,22
